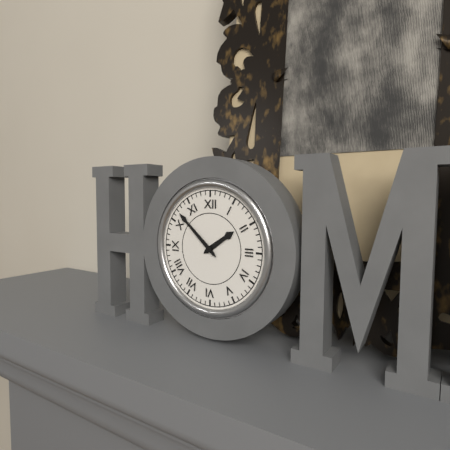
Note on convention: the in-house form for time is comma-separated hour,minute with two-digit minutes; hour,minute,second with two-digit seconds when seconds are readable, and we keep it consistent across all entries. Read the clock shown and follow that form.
1,52
